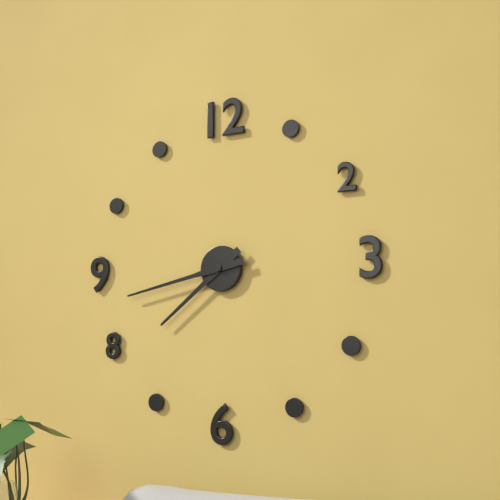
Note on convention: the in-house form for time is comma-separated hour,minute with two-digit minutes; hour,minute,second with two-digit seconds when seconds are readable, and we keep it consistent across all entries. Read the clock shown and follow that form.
7,43
